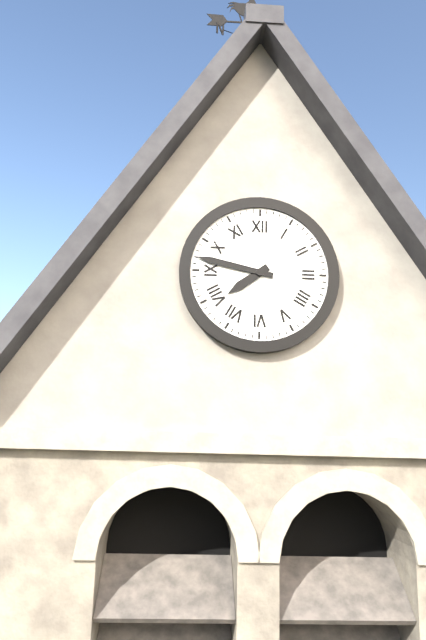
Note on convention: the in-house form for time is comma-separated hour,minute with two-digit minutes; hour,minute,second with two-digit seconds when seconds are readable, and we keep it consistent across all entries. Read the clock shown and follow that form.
7,47
